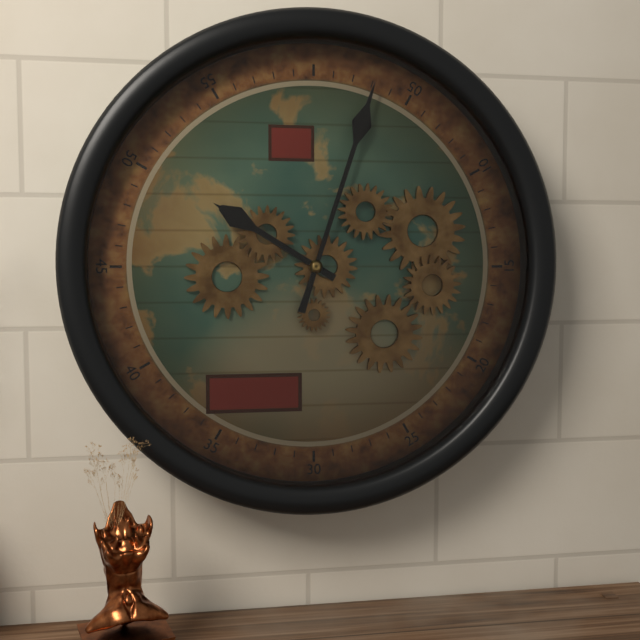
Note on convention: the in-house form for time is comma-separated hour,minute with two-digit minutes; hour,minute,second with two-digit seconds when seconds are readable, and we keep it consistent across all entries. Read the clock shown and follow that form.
10,03
